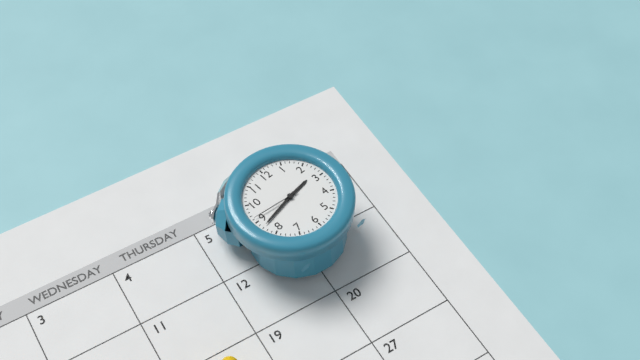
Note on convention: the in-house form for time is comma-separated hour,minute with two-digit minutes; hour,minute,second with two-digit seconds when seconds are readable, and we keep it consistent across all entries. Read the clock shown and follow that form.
2,43,46
